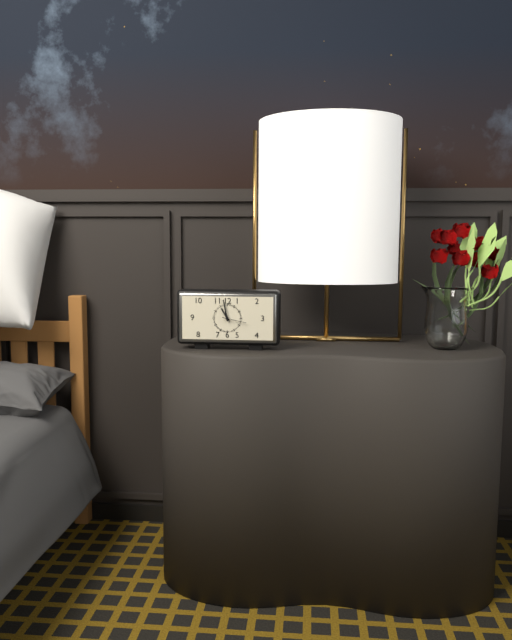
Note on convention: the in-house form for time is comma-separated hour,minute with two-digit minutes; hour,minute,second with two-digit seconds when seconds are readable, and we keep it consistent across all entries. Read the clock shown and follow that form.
10,58
